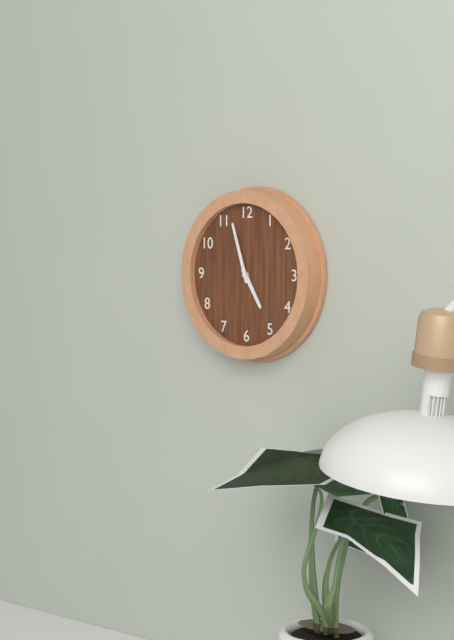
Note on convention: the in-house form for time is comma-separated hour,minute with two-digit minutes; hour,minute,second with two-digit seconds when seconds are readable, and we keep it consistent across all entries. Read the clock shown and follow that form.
4,57
